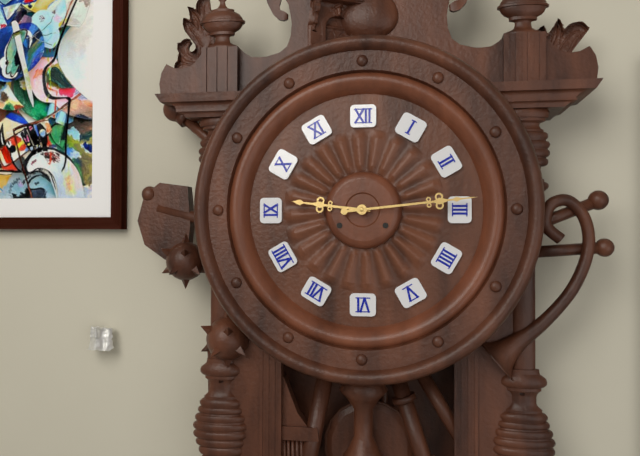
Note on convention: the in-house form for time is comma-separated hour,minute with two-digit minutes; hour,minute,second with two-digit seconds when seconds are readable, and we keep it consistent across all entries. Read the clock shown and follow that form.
9,14
